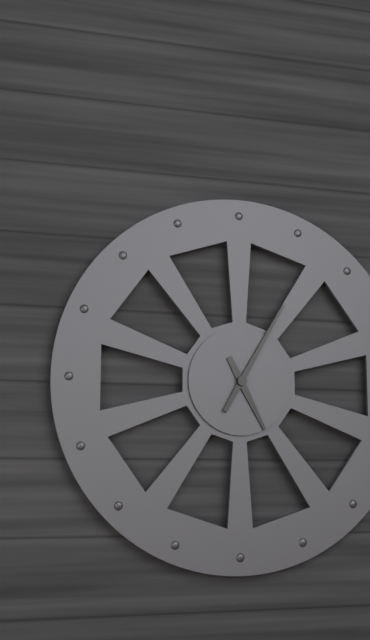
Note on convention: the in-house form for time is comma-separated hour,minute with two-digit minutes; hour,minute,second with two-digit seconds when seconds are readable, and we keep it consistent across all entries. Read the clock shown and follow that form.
5,05
